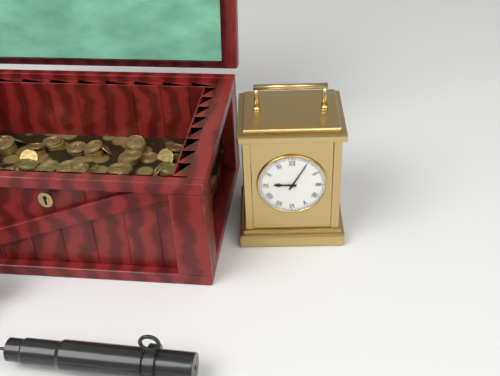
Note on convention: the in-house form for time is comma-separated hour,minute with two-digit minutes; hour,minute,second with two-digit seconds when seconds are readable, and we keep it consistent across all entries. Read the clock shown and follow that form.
9,05
